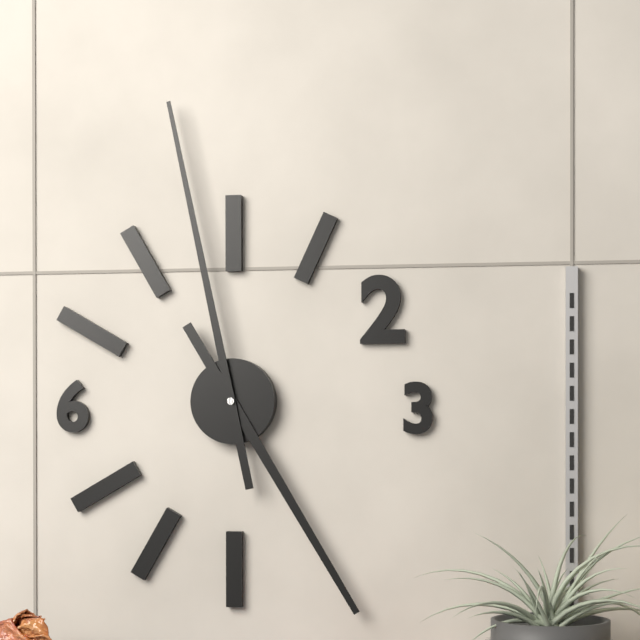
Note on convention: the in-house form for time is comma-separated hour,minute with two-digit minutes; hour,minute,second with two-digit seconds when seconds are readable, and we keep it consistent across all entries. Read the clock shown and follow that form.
4,58
